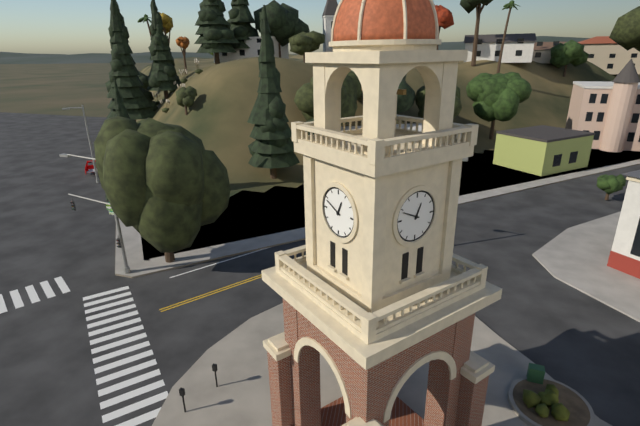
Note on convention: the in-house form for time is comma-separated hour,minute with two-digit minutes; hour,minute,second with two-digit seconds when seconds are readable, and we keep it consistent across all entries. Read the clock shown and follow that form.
12,49
